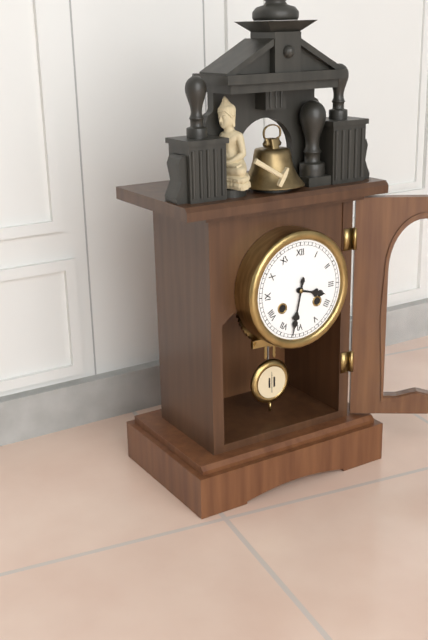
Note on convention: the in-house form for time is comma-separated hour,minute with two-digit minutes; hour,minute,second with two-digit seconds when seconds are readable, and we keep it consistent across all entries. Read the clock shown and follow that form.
3,32
